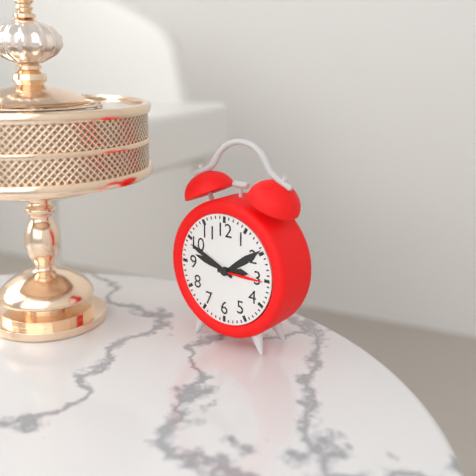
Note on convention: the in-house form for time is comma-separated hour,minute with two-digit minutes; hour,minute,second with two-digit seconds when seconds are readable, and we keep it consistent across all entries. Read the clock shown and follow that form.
2,49
